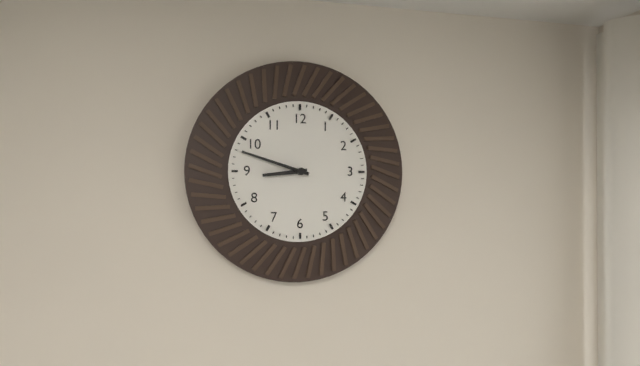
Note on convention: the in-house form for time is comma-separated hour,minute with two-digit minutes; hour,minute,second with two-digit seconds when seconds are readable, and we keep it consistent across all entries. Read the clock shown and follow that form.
8,48
